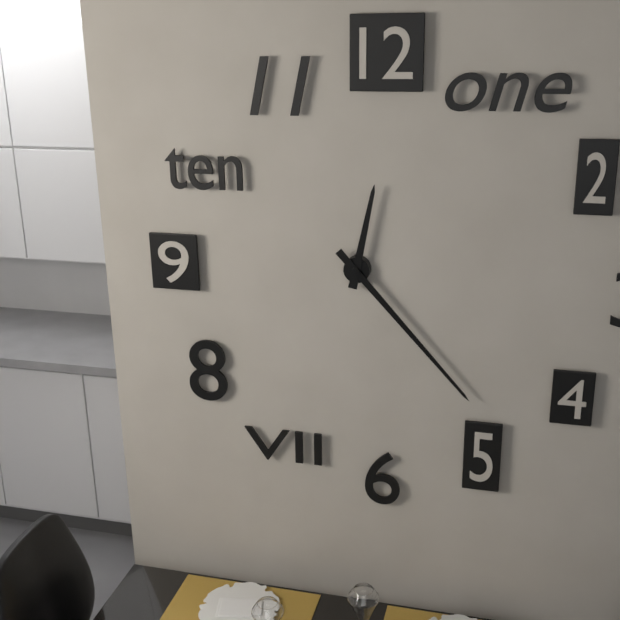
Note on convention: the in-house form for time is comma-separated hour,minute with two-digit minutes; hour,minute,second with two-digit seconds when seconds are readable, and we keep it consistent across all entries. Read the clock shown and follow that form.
12,23
